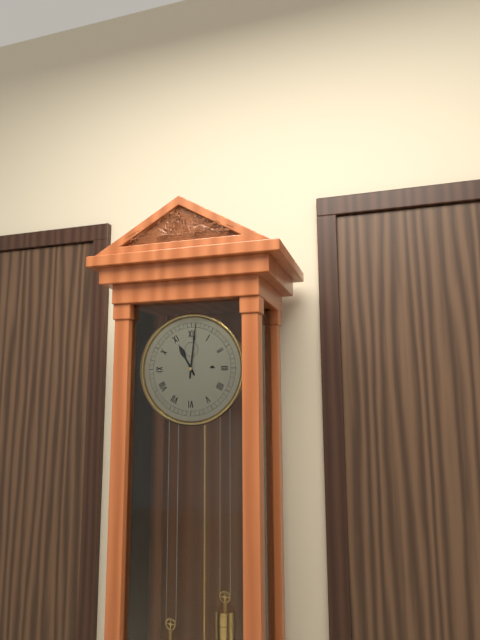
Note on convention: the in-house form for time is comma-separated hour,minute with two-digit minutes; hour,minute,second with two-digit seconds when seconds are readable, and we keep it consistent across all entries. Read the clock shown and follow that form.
11,01
